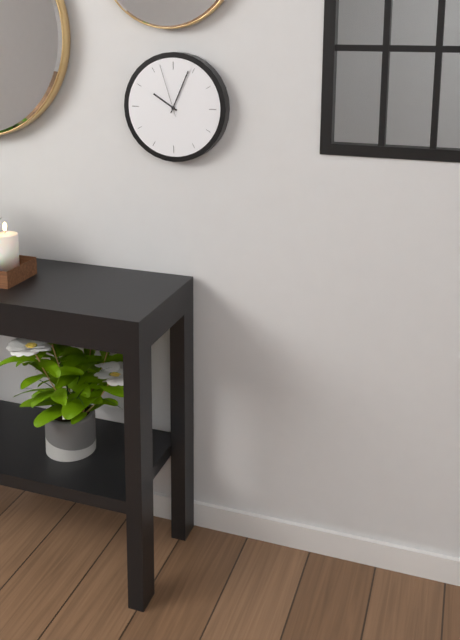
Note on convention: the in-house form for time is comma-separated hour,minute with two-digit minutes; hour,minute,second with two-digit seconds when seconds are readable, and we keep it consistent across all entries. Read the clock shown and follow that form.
10,04,57
